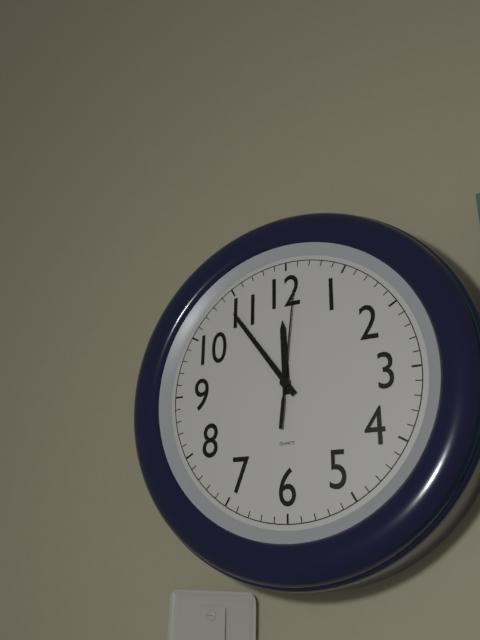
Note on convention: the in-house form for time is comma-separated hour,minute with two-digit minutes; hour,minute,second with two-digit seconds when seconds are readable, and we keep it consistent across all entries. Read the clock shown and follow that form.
11,54,01
